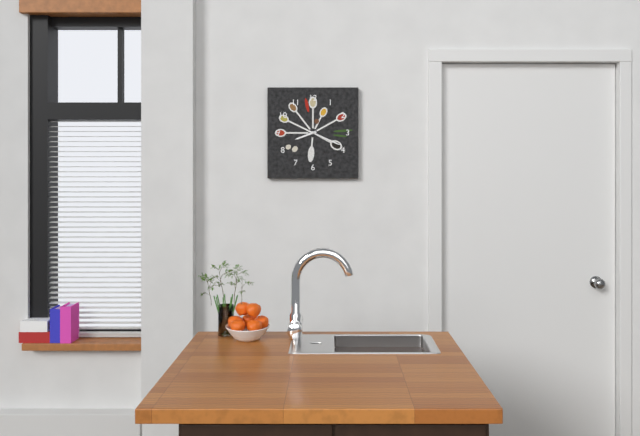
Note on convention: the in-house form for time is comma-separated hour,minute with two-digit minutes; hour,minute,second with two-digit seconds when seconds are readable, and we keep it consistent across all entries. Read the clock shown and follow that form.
8,19
